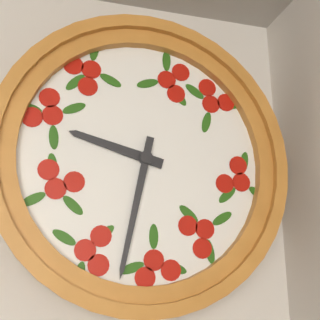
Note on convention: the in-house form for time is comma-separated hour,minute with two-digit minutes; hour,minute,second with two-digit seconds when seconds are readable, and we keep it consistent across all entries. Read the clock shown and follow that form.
9,32
